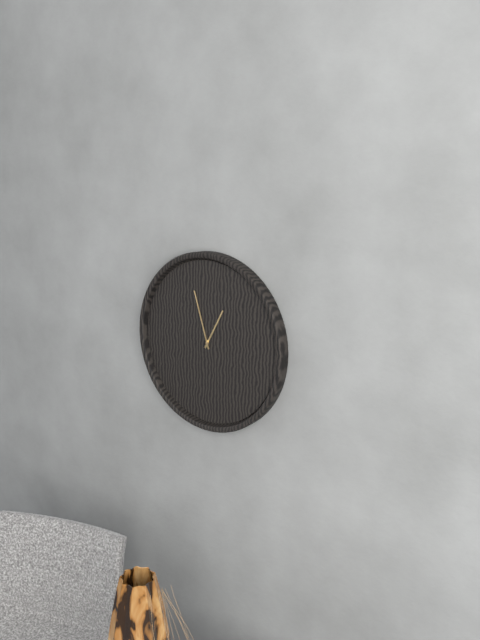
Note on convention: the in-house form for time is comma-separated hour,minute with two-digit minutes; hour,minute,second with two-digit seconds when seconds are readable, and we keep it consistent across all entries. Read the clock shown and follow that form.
12,57
